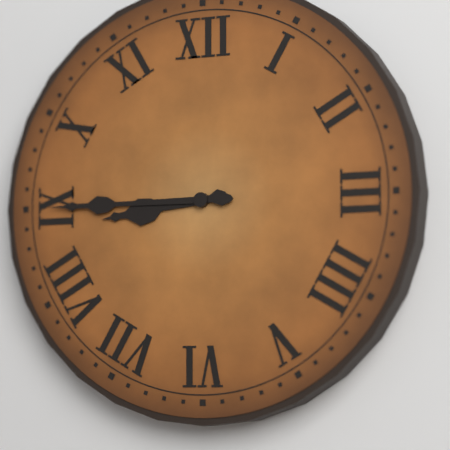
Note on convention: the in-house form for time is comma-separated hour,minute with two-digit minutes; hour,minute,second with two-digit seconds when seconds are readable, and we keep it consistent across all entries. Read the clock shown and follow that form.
8,45
